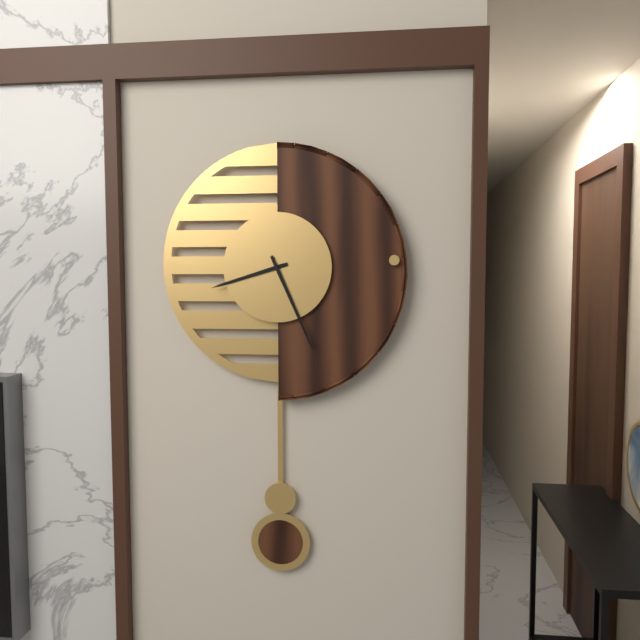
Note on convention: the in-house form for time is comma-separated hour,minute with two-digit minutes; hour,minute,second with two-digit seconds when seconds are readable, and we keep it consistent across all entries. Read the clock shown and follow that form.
8,26
